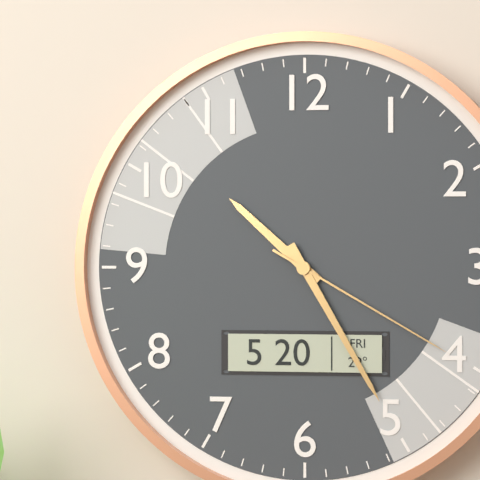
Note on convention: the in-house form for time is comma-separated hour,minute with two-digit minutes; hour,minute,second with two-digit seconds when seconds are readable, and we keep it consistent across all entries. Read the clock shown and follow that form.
10,25,20
